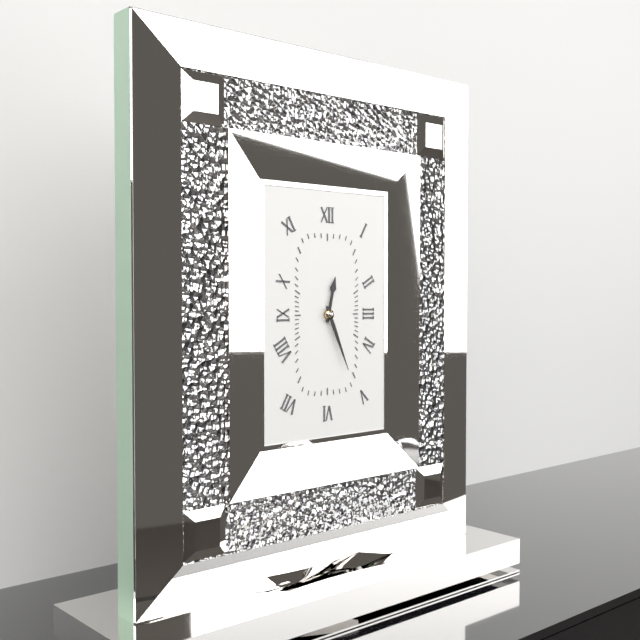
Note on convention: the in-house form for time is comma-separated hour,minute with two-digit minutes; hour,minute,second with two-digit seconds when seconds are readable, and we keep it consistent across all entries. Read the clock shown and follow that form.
12,26
